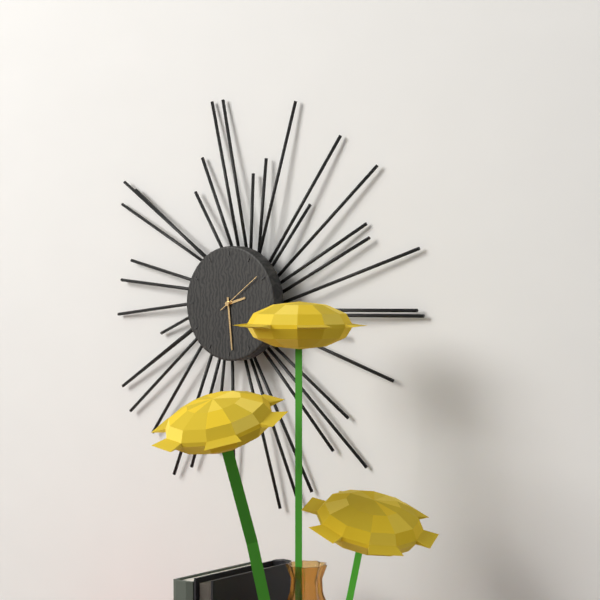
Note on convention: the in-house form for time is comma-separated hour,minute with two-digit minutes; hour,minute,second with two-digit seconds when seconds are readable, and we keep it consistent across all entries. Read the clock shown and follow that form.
2,29
